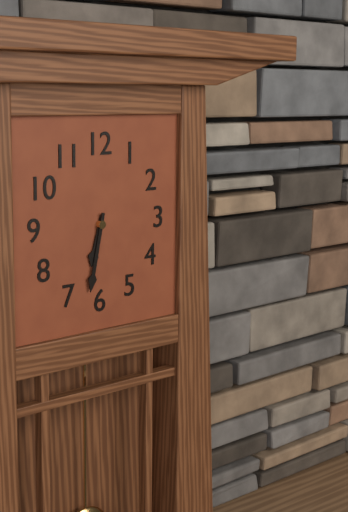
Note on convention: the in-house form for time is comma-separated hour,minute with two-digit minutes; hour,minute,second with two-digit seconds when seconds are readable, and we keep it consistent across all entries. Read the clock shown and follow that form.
6,32
